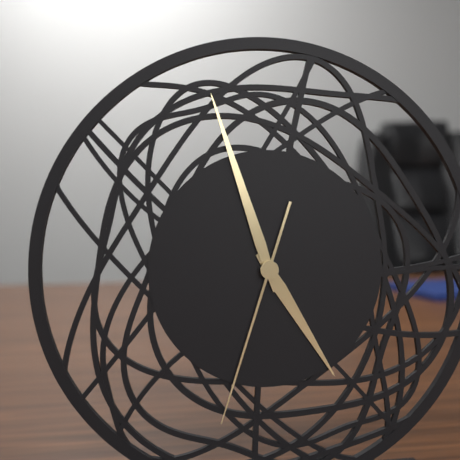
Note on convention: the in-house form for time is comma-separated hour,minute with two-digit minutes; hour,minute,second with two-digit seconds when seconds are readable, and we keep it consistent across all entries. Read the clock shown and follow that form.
4,57,33
